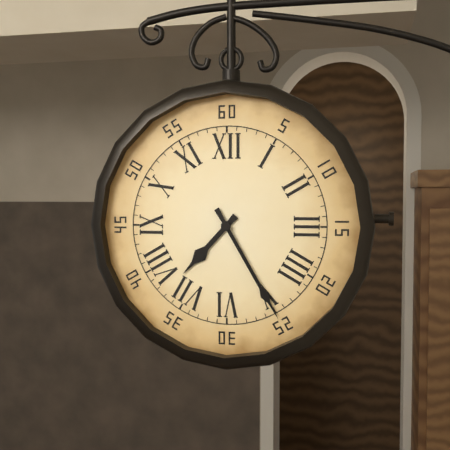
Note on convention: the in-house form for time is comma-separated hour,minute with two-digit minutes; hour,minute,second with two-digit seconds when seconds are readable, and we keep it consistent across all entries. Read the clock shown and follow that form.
7,25
